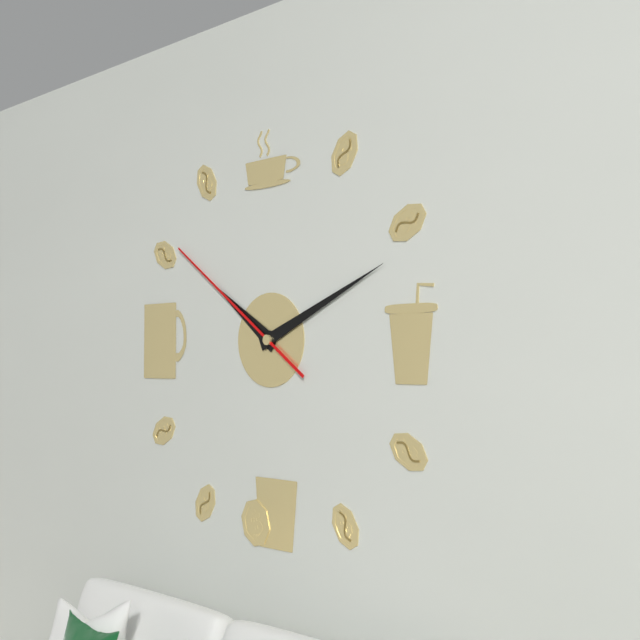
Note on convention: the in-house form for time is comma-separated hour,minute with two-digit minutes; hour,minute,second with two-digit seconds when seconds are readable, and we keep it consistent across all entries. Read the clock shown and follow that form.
10,11,51
